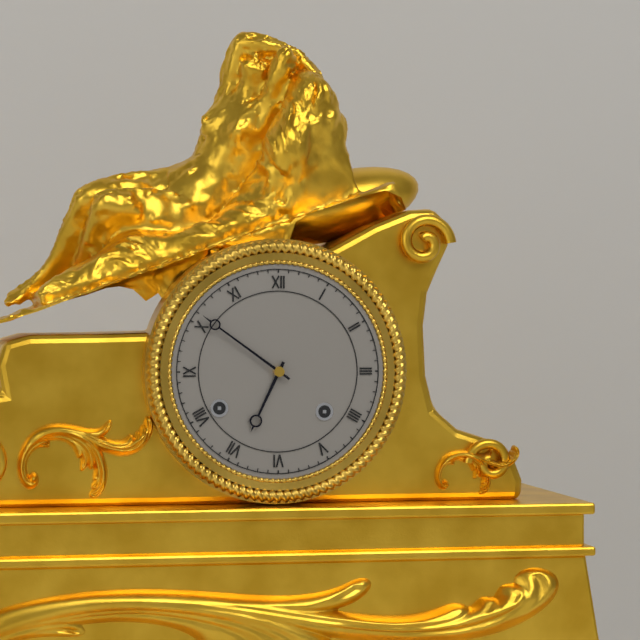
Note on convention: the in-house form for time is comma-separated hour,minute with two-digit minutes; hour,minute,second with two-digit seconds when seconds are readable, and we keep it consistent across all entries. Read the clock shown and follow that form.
6,51
